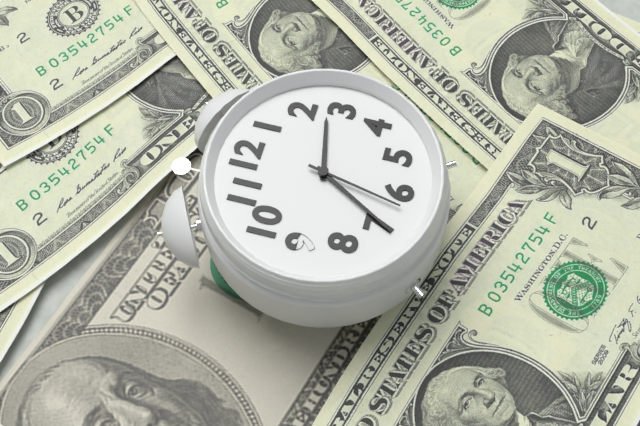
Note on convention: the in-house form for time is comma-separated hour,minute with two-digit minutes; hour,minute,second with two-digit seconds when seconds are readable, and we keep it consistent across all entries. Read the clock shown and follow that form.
2,35,32
